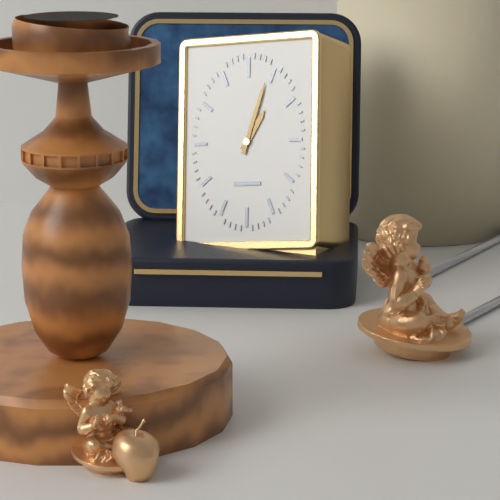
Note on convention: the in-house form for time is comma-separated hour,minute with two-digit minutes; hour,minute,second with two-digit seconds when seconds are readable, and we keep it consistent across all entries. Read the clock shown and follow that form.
1,03
